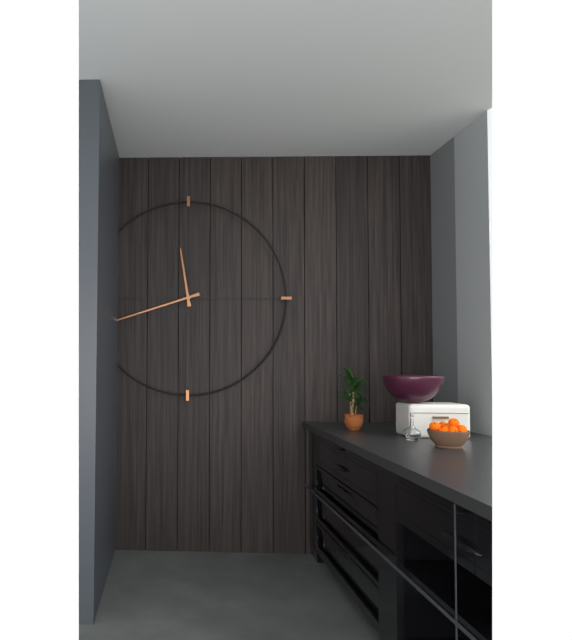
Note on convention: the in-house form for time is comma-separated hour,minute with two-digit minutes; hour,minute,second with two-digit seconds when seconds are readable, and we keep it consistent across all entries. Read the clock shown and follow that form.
11,42
